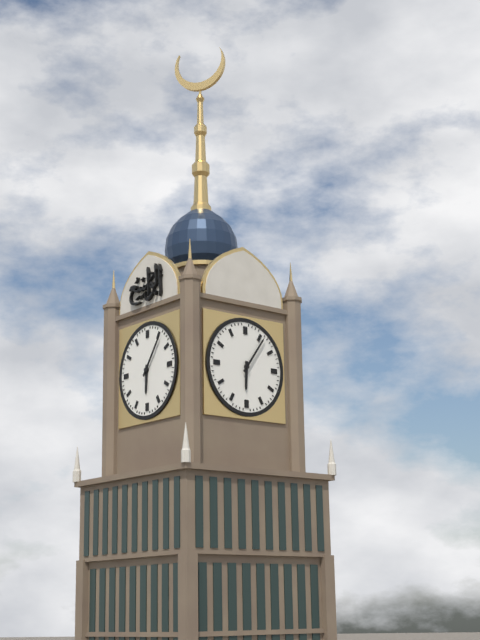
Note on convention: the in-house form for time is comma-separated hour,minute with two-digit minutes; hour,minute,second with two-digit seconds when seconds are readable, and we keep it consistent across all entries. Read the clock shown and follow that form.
6,06
